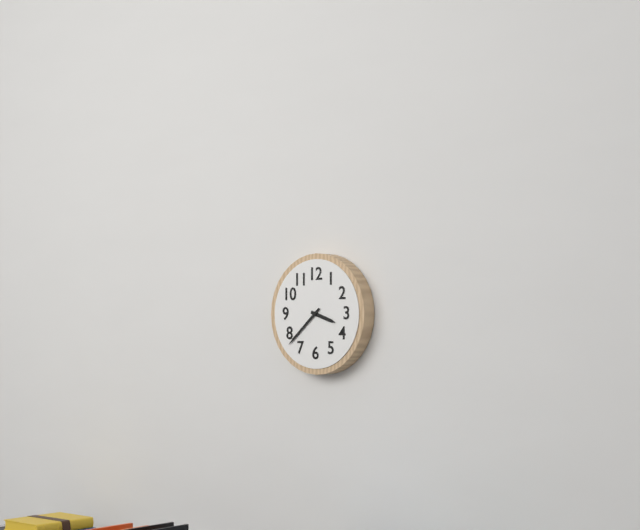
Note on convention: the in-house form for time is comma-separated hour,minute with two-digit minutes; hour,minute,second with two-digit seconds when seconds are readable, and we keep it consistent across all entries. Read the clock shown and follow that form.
3,38
